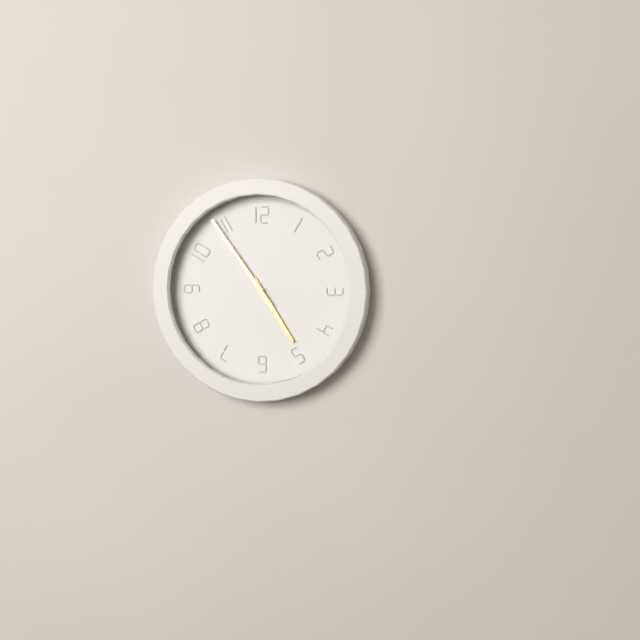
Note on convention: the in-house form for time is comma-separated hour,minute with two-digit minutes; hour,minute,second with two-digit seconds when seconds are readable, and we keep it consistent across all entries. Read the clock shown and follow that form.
4,54
